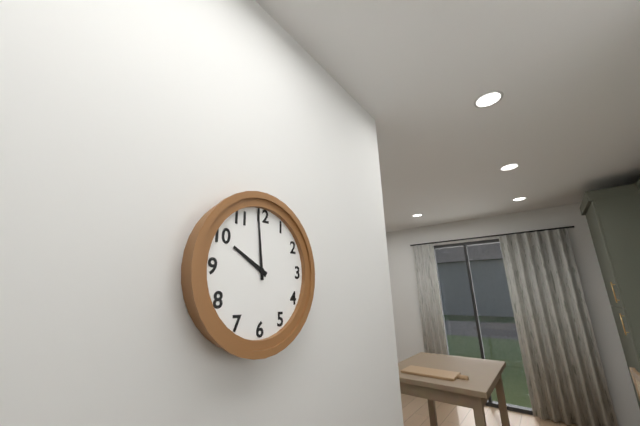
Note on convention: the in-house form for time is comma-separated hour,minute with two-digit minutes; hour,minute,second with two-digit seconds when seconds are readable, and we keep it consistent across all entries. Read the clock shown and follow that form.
9,59
